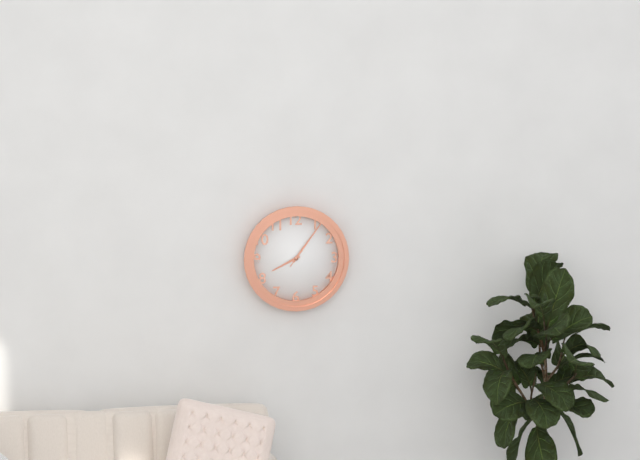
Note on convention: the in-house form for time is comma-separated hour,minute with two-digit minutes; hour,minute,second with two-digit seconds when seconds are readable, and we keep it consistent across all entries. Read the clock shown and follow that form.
8,06
